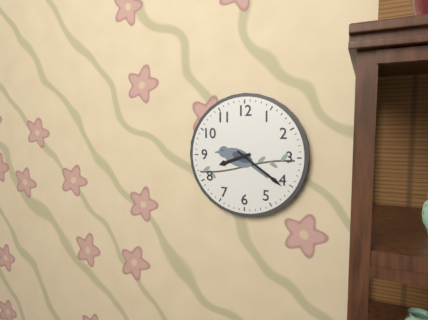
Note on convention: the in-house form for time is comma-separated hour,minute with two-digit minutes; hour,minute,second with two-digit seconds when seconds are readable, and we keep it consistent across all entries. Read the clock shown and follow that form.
8,21
